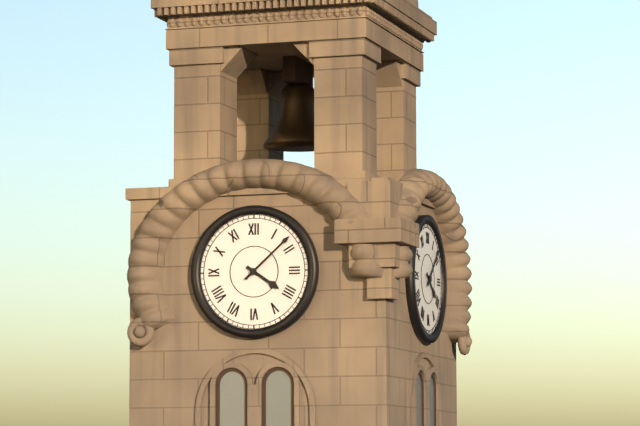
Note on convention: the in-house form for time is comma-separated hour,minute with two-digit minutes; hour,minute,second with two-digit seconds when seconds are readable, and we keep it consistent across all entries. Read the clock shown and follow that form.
4,08
